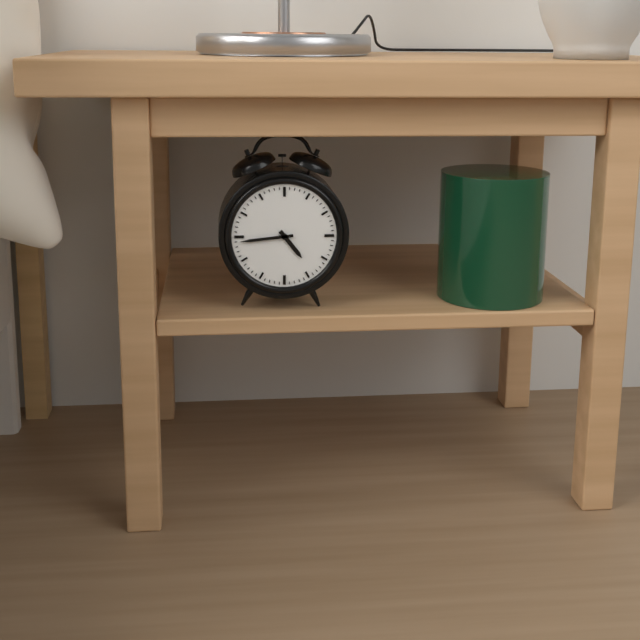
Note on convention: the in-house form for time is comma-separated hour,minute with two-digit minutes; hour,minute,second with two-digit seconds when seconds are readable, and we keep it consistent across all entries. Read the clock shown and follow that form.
4,44
